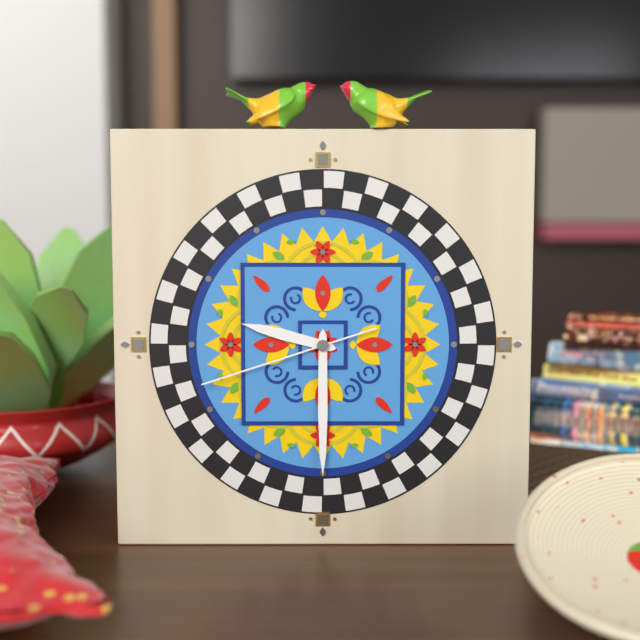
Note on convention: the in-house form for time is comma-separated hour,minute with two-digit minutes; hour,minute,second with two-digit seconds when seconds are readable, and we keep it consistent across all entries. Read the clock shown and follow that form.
9,30,42
